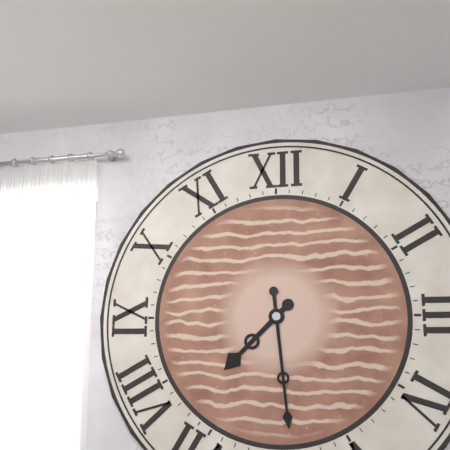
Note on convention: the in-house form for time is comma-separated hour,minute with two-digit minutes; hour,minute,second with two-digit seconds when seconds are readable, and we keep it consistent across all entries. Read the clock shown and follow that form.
7,29
